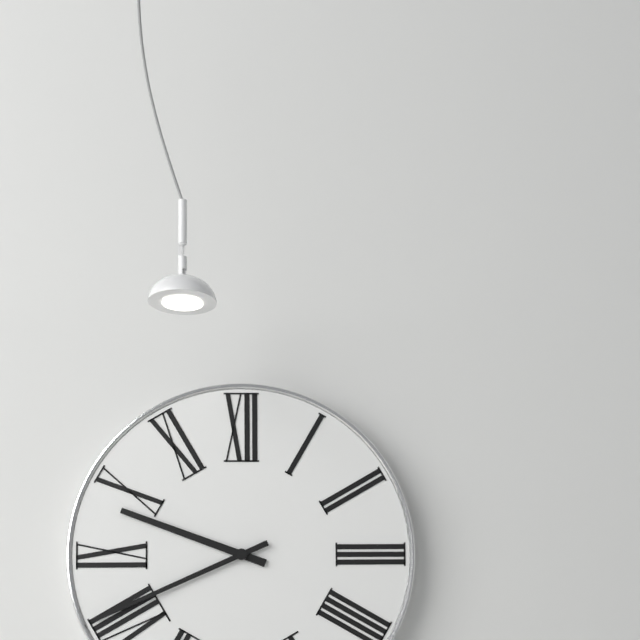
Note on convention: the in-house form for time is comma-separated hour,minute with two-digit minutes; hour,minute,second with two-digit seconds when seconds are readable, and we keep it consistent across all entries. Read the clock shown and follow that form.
9,41
